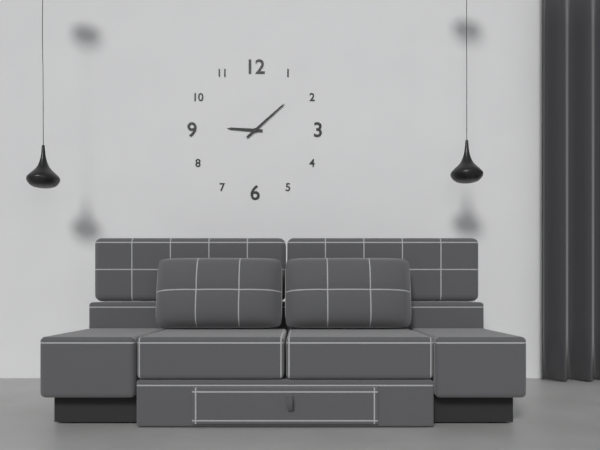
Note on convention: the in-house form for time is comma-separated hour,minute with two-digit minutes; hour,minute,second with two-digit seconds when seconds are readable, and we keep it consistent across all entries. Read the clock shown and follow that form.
9,08
